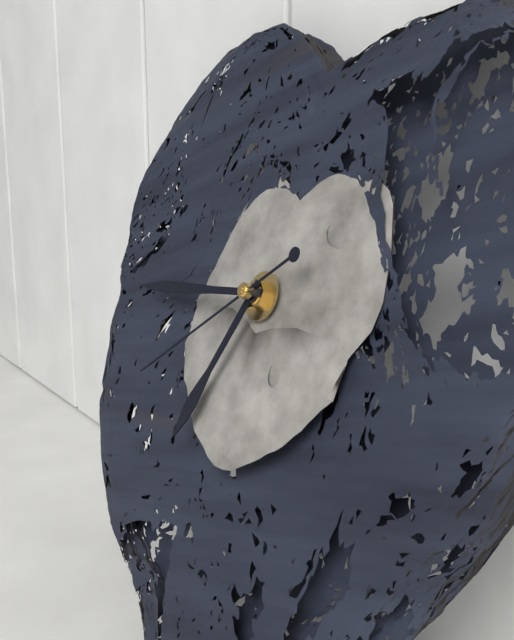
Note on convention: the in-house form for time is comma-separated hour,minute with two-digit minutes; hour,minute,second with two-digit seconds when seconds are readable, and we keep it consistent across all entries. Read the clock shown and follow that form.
6,44,39
